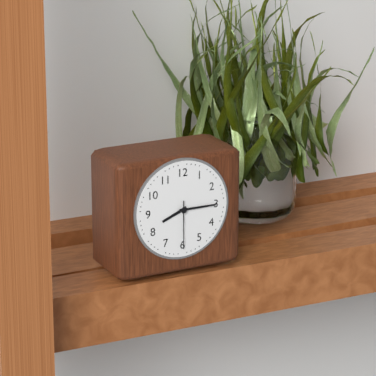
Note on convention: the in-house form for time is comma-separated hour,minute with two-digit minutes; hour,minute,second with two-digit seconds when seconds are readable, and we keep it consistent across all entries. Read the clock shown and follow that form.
8,15
